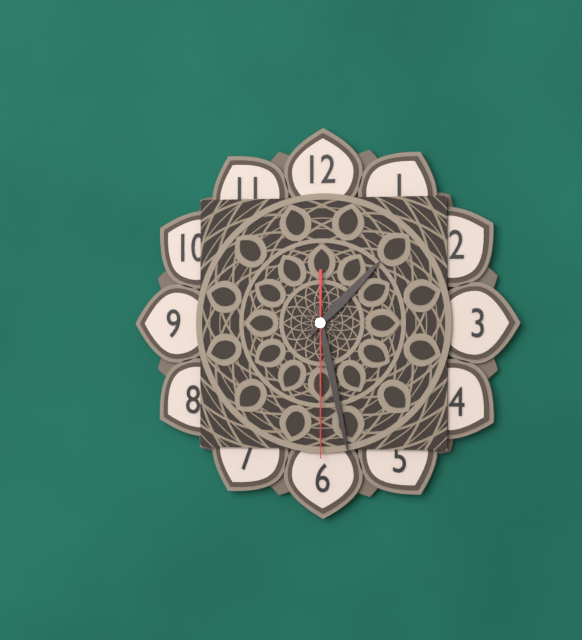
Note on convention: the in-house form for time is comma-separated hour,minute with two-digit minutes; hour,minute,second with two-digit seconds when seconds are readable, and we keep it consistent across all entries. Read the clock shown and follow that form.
1,28,30
